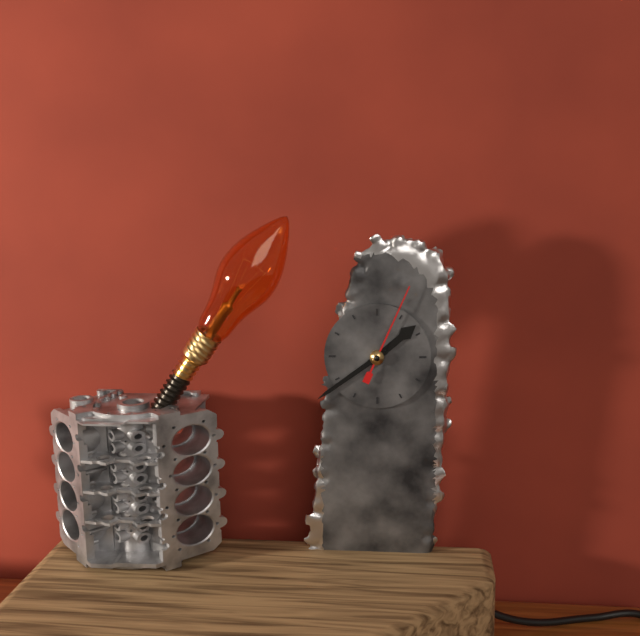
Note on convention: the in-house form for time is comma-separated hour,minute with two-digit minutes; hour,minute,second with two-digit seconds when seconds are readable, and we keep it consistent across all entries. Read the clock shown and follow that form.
1,39,04
